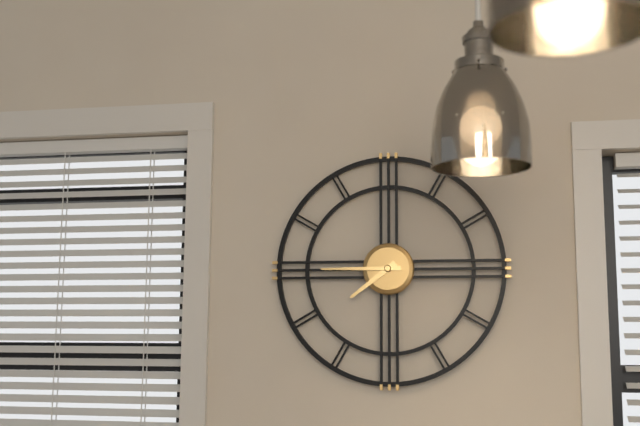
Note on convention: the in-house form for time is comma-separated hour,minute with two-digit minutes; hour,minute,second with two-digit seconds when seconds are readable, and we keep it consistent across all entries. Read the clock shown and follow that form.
7,45
